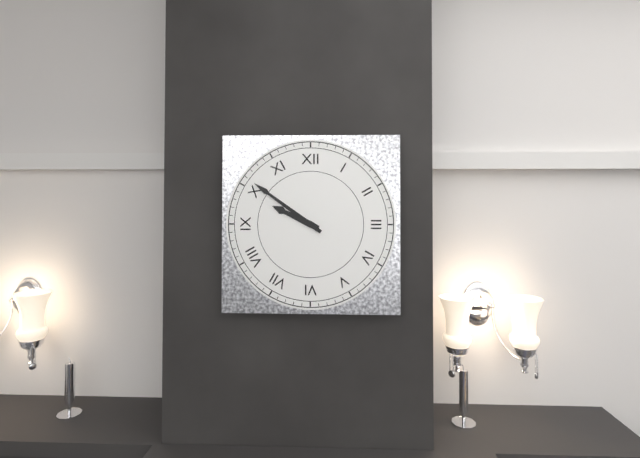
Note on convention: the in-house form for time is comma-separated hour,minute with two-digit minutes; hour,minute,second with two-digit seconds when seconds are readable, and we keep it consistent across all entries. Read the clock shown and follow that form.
9,51
